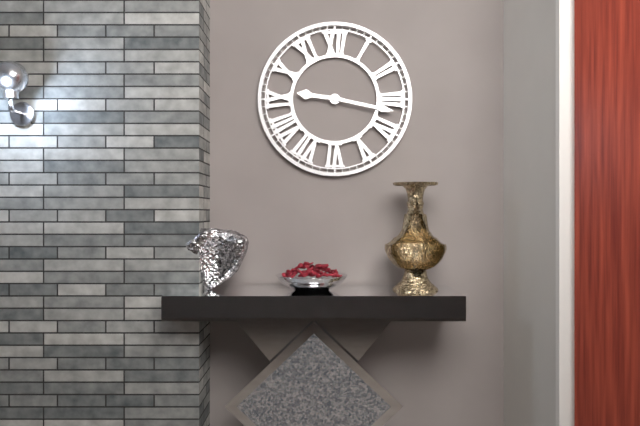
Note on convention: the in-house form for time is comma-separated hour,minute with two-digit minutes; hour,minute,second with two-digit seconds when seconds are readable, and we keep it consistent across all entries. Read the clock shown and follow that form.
9,17
